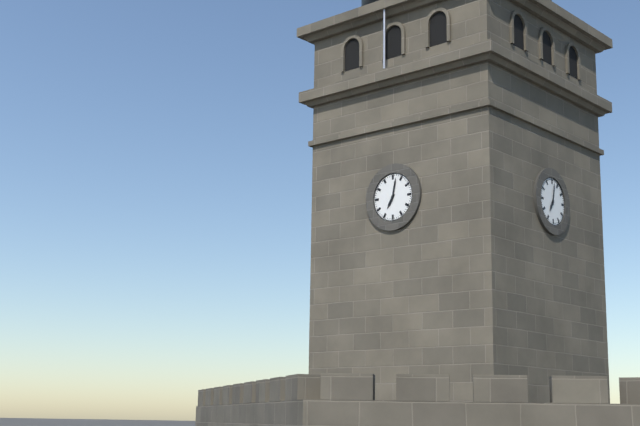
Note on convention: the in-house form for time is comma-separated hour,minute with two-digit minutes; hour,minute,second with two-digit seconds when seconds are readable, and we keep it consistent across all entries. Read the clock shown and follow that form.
7,02
